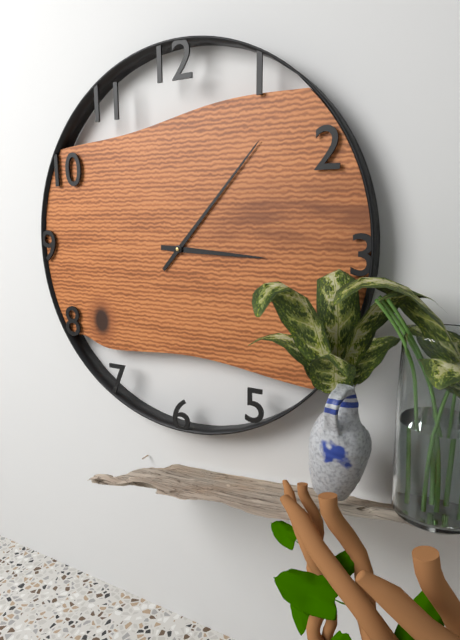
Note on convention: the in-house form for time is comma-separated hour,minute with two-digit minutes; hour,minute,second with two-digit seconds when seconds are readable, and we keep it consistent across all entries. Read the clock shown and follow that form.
3,07
